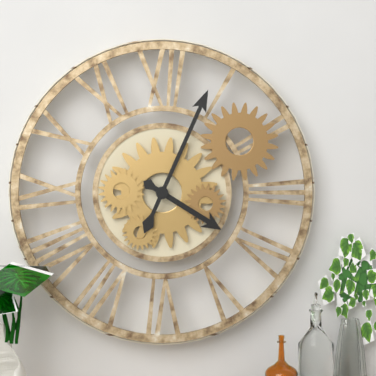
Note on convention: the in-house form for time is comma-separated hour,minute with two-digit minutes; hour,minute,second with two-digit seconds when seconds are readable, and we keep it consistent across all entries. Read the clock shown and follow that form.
4,04
